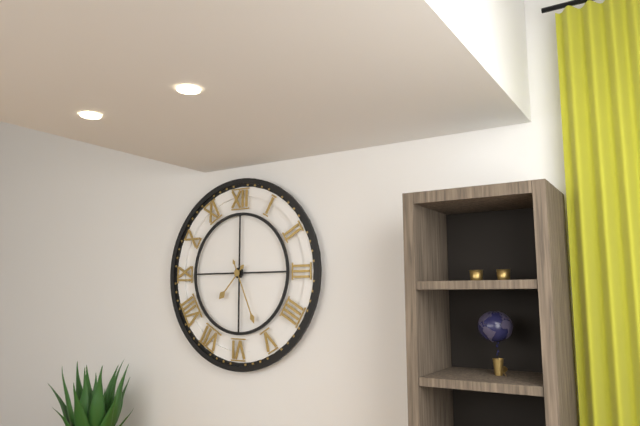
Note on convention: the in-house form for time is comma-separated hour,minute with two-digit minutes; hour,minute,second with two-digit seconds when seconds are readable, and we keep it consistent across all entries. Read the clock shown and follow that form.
7,26
